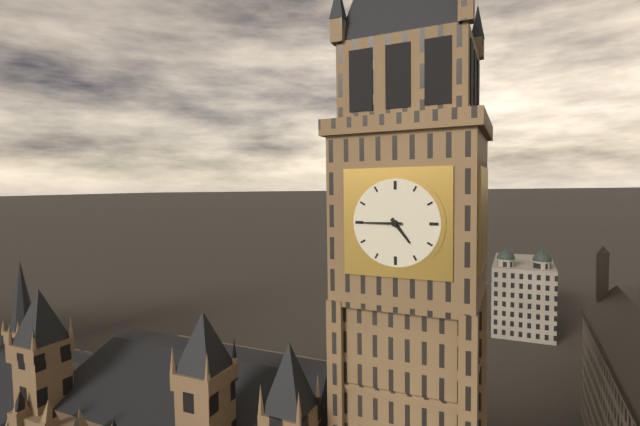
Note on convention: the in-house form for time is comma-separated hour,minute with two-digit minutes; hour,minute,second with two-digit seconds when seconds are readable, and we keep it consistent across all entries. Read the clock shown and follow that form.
4,45
